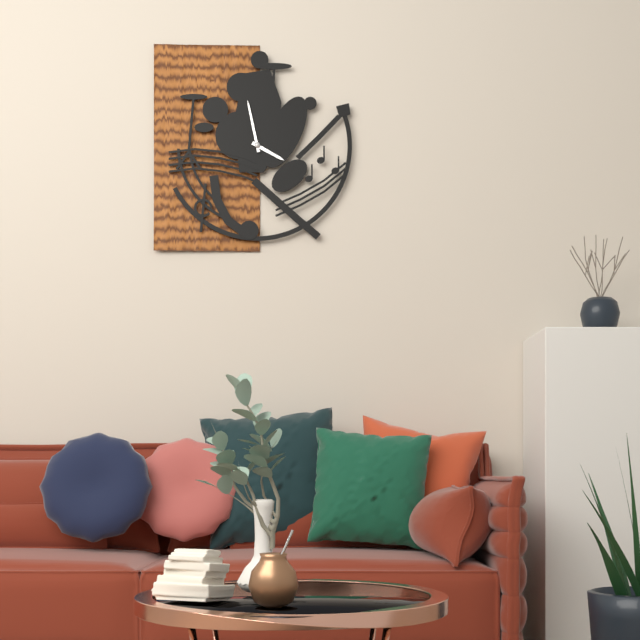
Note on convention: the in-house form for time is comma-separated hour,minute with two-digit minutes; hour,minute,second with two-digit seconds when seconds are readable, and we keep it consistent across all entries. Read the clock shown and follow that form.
3,58
